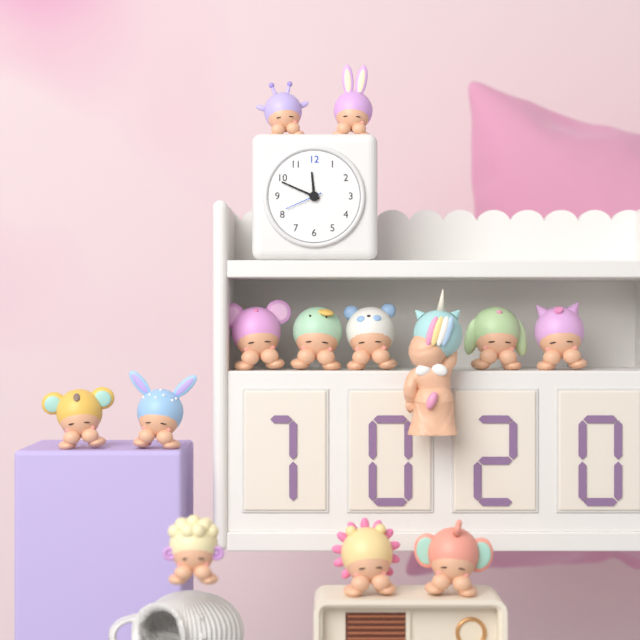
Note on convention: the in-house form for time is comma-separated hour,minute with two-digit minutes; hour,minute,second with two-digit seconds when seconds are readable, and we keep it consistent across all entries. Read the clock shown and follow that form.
11,49
